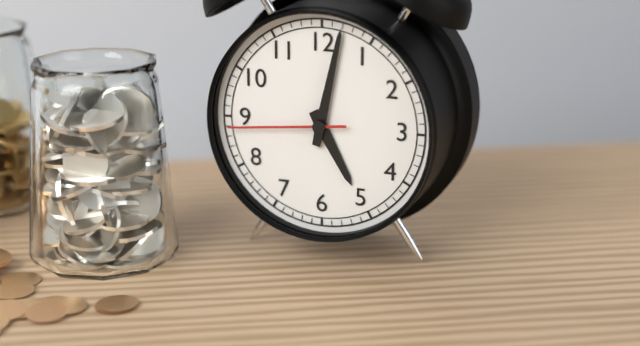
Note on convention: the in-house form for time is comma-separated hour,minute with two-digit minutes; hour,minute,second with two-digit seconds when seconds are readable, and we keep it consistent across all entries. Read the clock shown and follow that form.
5,02,44
